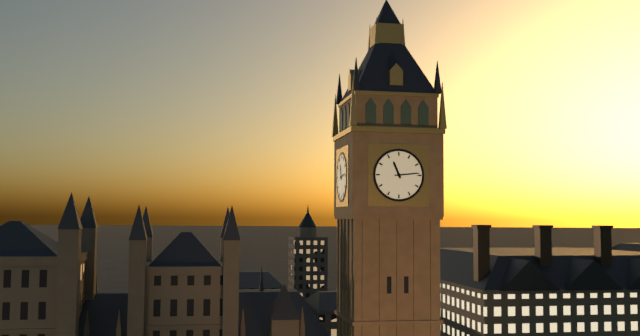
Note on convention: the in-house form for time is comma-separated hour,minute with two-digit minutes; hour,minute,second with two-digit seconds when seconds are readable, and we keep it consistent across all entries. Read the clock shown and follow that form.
11,14
